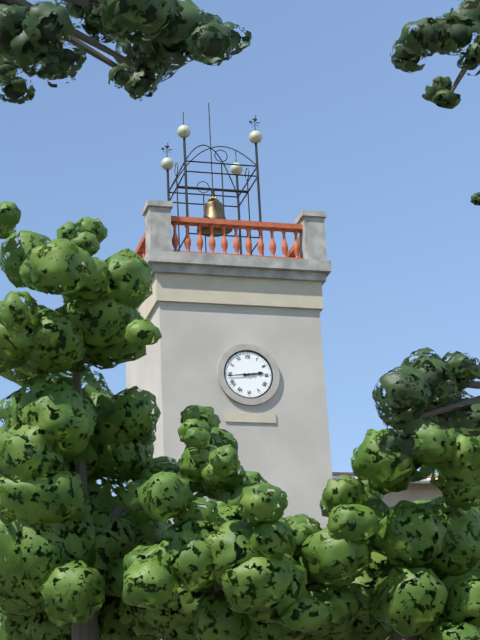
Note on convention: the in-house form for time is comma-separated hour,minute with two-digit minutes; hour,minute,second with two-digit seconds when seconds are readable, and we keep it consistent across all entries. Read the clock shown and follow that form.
2,44
